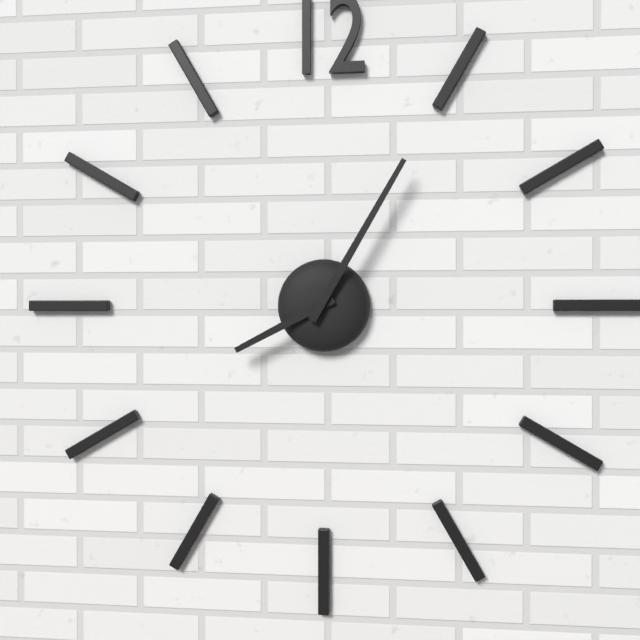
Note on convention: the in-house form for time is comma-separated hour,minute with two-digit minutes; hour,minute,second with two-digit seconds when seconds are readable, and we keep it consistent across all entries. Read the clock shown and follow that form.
8,05
